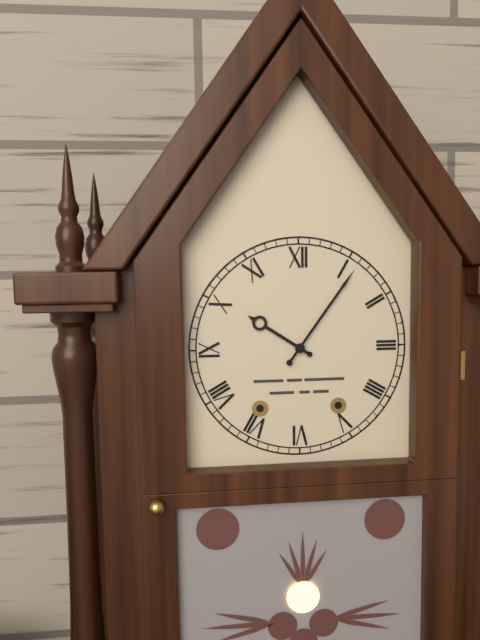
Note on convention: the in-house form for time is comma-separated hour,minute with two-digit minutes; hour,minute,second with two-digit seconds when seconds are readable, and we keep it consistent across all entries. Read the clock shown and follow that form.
10,06
